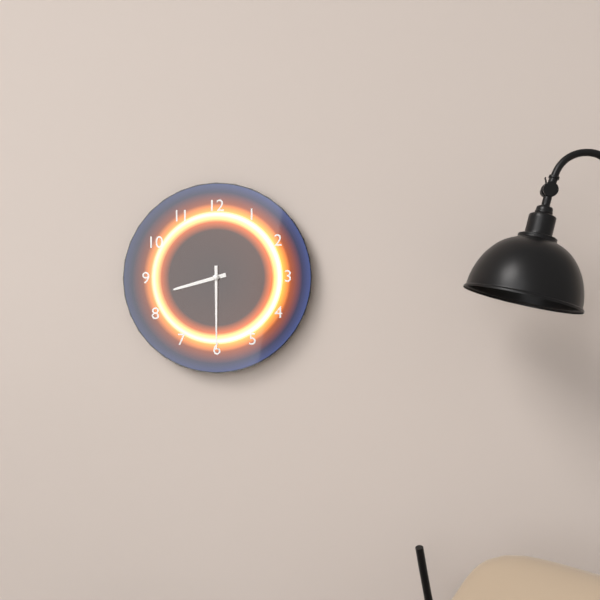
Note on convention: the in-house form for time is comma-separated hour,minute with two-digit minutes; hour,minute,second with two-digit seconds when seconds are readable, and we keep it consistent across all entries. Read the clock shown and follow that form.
8,30
